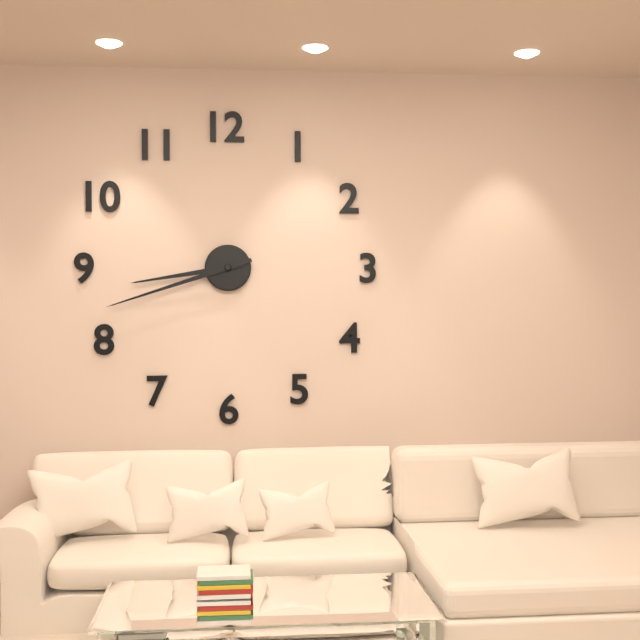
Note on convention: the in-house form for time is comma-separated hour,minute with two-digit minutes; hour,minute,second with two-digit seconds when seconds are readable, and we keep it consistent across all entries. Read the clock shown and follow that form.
8,42
